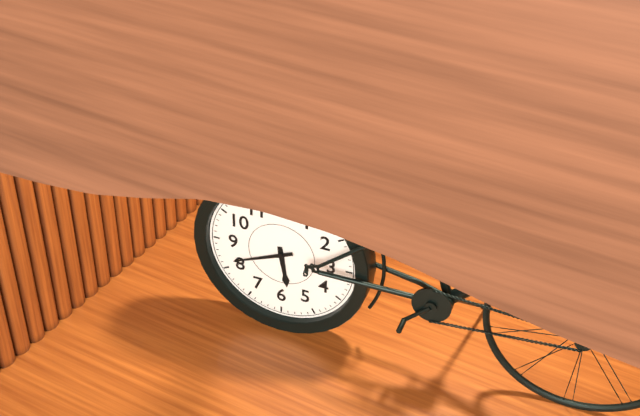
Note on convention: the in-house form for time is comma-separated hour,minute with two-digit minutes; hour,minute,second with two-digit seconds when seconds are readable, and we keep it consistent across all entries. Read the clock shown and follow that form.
5,41
